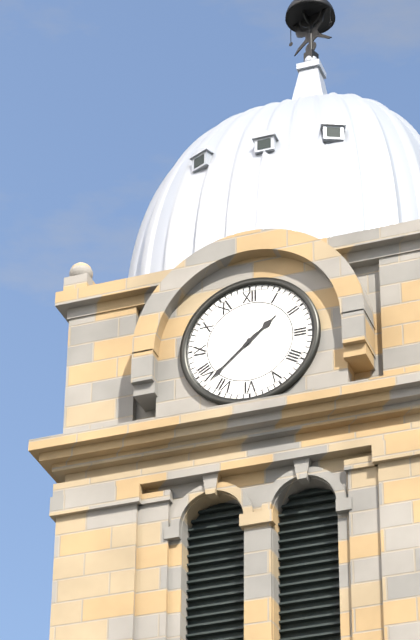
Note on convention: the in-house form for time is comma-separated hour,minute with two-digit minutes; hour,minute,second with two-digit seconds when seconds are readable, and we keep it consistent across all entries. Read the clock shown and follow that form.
1,38
